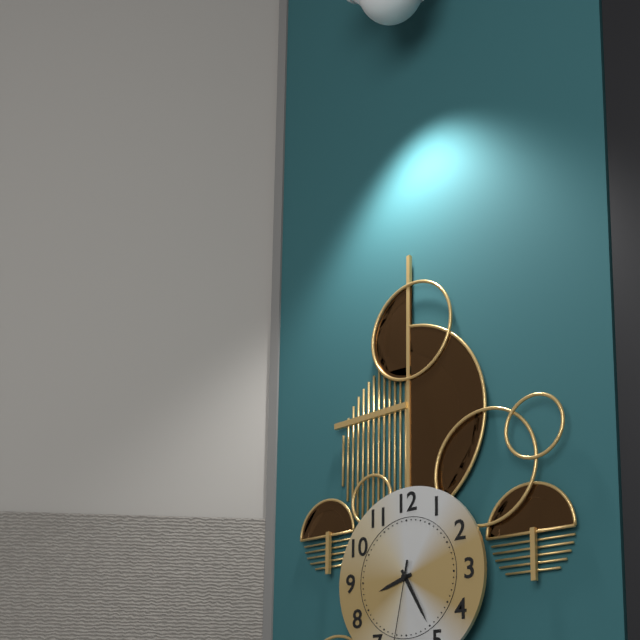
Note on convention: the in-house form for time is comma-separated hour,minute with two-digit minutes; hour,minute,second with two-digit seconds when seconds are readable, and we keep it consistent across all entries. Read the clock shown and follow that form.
8,25
